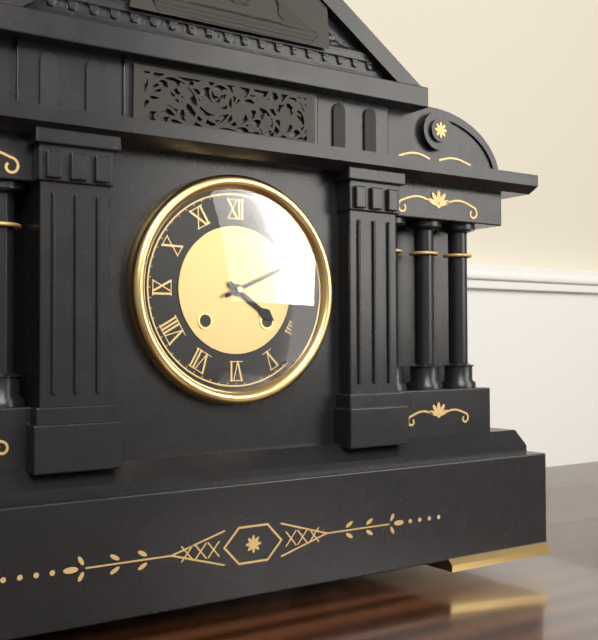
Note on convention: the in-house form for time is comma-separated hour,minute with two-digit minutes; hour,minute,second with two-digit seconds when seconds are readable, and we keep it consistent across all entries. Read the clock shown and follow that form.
4,11
